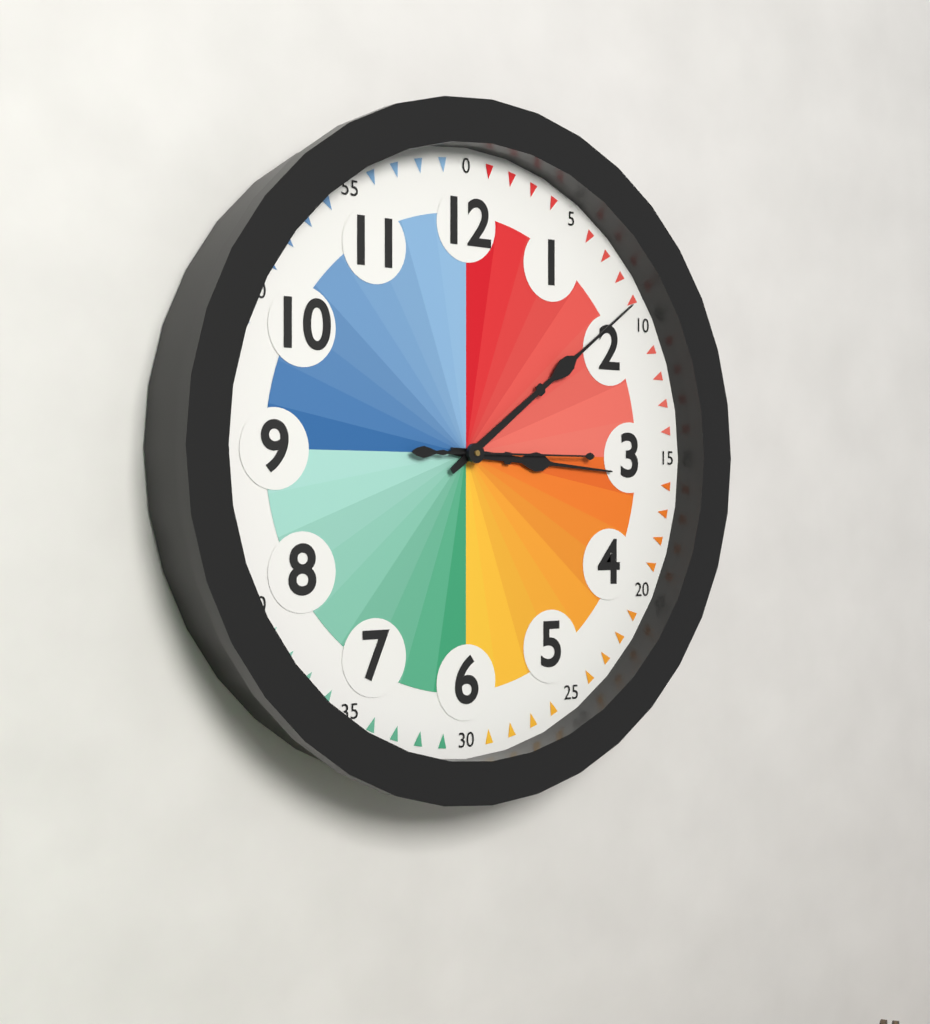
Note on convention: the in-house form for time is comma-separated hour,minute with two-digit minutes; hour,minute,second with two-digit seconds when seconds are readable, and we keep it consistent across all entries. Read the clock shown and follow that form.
3,09,15
